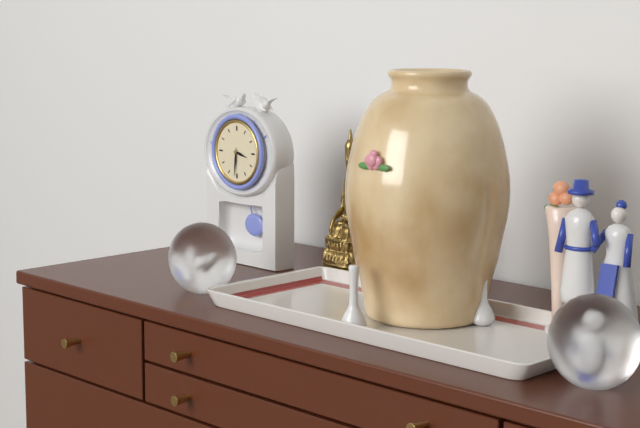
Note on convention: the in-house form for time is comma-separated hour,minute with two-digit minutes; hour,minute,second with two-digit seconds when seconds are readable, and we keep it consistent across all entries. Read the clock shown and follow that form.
3,31
